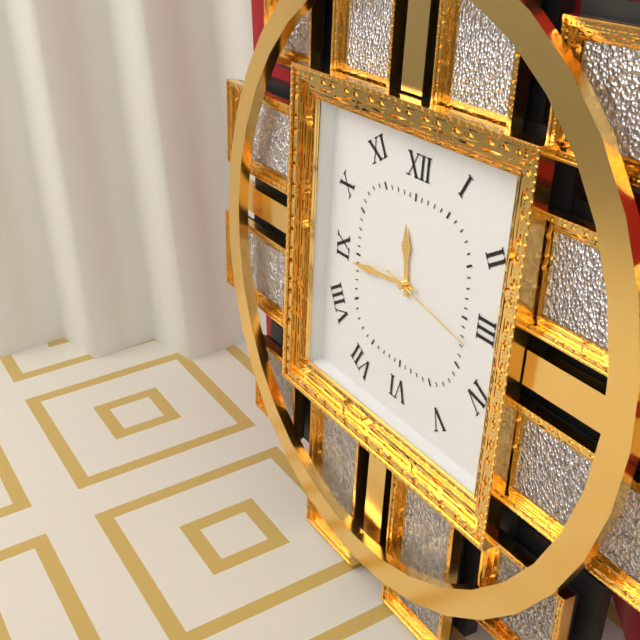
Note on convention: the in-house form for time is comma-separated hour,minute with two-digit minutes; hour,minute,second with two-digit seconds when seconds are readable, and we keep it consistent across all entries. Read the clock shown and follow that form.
11,44,17
